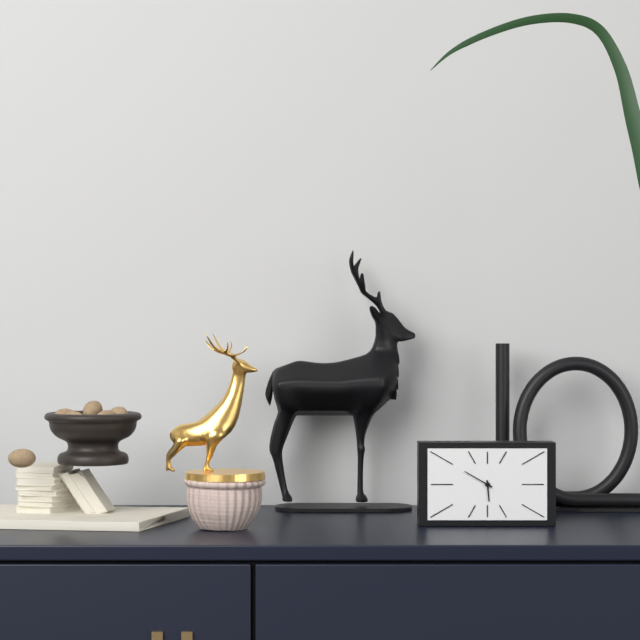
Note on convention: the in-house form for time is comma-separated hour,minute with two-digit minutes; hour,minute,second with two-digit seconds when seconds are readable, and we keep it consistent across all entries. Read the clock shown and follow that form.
5,50
